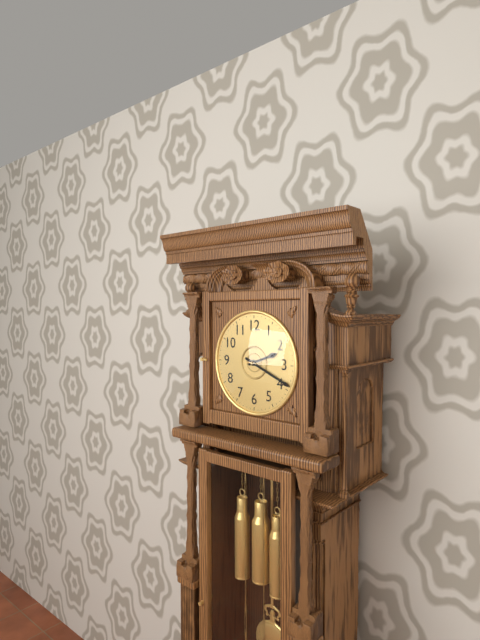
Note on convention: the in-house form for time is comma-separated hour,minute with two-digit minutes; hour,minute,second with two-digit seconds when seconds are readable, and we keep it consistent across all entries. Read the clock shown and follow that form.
2,19
